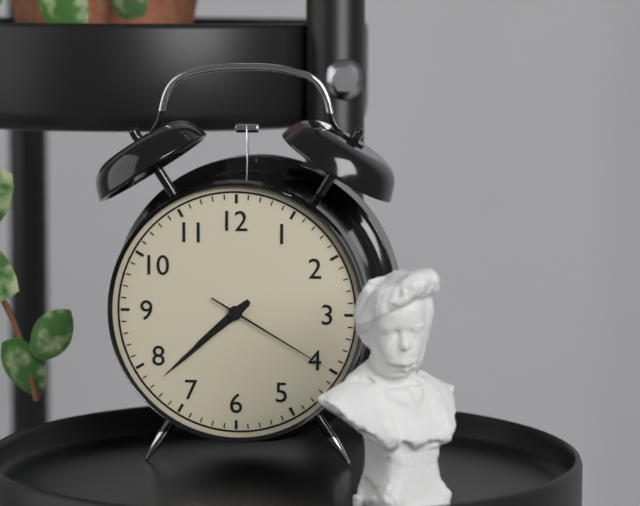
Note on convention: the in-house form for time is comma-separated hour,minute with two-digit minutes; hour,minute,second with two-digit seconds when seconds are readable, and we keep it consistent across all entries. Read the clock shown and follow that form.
7,38,20
